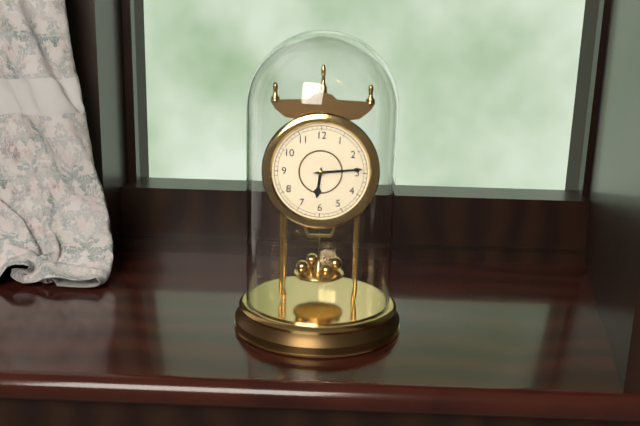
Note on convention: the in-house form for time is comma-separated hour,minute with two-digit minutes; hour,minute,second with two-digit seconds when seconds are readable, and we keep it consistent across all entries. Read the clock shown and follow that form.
6,14
